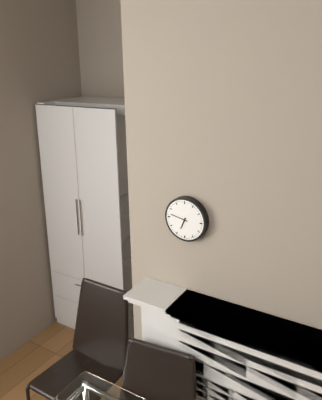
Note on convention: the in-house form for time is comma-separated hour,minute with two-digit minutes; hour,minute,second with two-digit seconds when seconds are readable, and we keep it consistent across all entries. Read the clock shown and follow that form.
6,47
